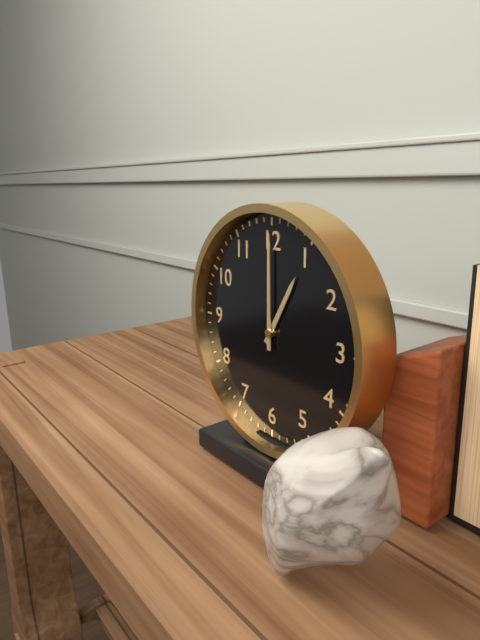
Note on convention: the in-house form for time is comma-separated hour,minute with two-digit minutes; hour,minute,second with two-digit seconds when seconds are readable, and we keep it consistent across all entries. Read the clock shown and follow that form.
1,00
